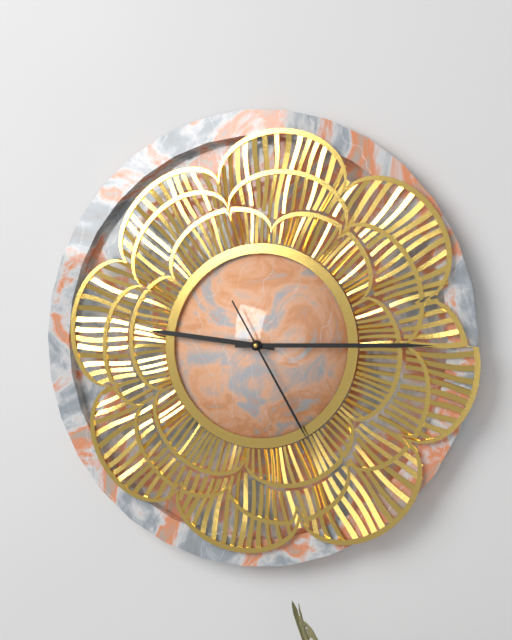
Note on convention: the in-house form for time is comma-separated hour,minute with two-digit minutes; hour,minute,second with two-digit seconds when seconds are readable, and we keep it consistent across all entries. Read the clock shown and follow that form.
9,15,25
